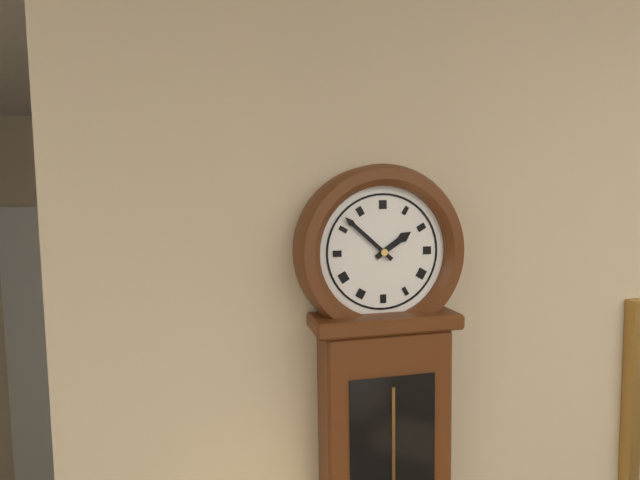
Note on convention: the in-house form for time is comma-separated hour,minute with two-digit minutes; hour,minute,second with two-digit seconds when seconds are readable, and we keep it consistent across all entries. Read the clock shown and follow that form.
1,52
